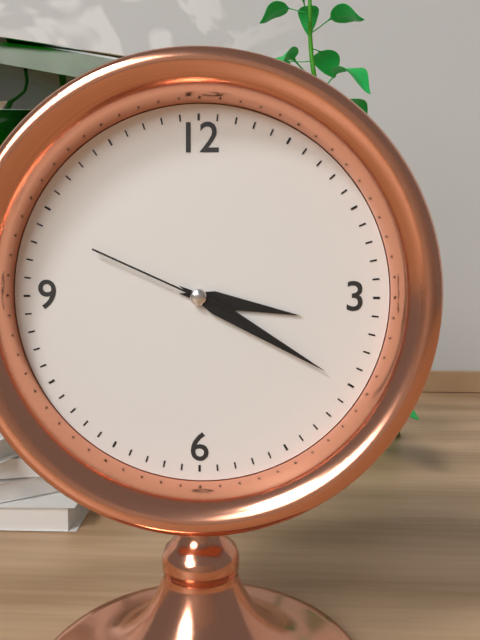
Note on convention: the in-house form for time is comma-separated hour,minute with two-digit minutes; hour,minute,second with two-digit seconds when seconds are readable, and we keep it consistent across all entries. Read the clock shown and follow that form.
3,20,49
